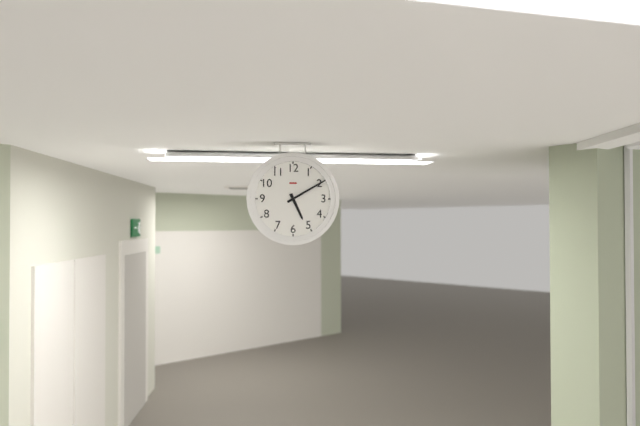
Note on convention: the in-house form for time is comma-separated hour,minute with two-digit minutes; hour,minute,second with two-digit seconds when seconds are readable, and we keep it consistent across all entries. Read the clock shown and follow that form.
5,10
